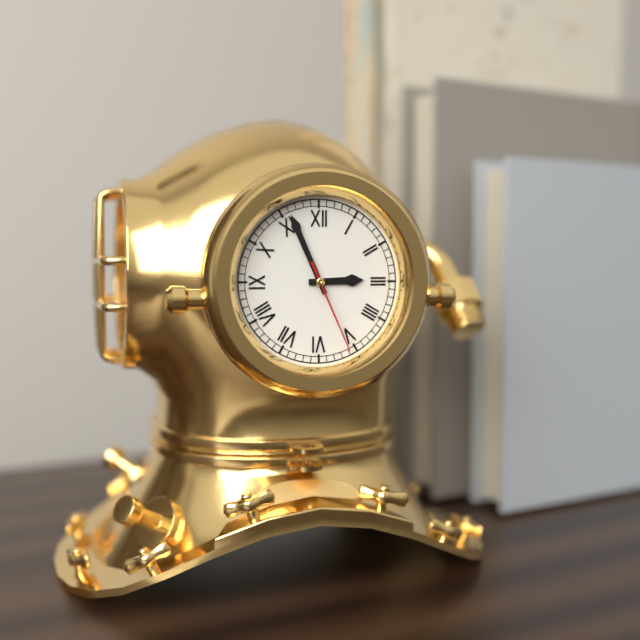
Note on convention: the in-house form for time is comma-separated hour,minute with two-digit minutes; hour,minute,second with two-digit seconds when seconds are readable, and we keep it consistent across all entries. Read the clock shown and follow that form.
2,56,26
